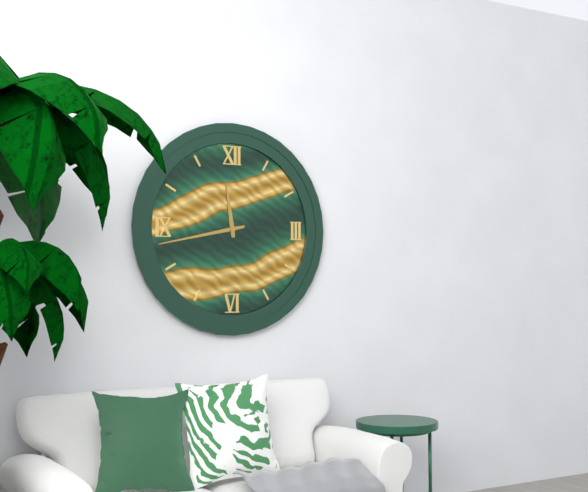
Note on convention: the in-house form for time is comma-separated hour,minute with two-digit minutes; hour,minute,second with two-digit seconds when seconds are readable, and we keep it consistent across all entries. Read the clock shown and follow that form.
11,43
